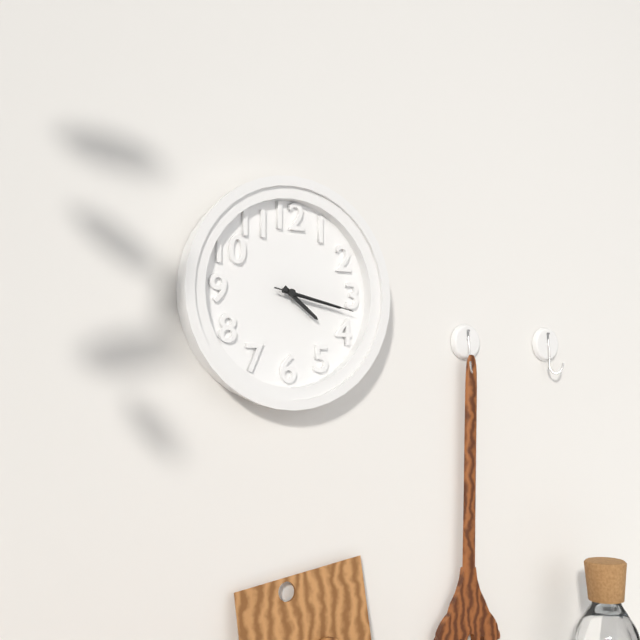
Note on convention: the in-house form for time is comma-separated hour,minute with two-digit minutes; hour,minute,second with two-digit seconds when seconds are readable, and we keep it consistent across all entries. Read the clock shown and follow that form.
4,17,17
